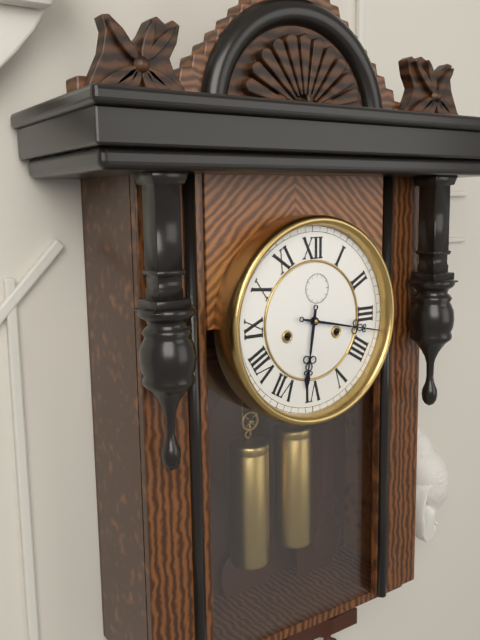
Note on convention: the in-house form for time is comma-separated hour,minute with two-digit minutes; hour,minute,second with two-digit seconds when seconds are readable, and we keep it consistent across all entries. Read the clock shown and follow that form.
6,17
